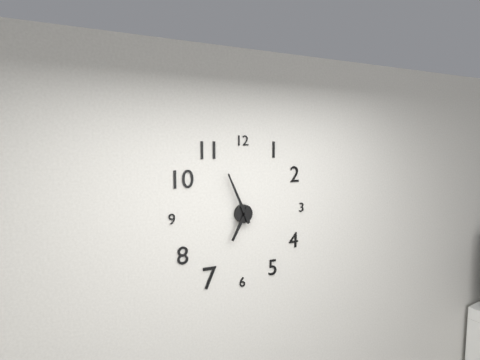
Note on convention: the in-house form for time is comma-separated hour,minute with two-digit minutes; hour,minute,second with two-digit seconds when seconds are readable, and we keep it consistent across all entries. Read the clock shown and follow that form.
6,56
